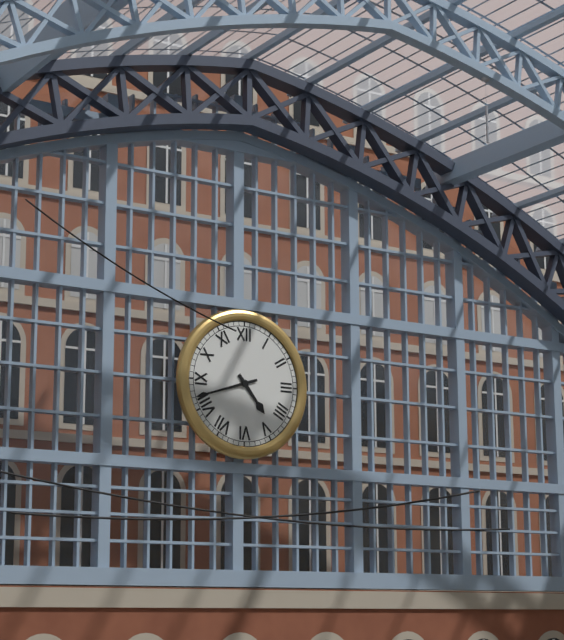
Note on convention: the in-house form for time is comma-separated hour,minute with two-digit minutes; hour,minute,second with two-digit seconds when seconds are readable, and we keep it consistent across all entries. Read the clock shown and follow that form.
4,42
